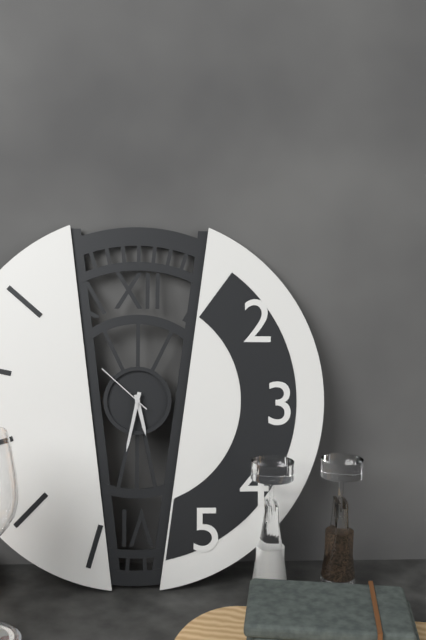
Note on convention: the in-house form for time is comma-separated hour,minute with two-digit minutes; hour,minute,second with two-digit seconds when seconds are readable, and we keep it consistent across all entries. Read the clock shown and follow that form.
5,32,52
